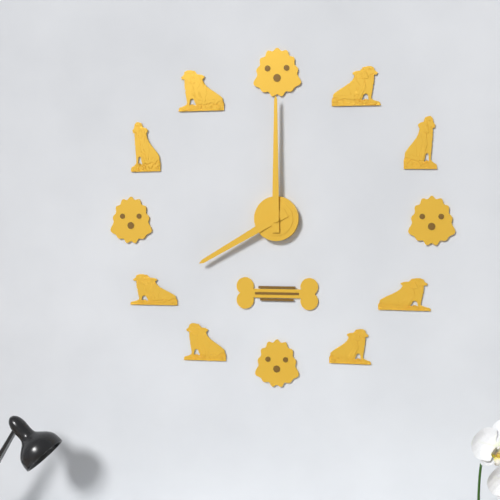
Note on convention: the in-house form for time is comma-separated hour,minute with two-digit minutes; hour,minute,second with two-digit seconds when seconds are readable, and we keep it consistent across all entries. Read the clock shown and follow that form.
8,00
